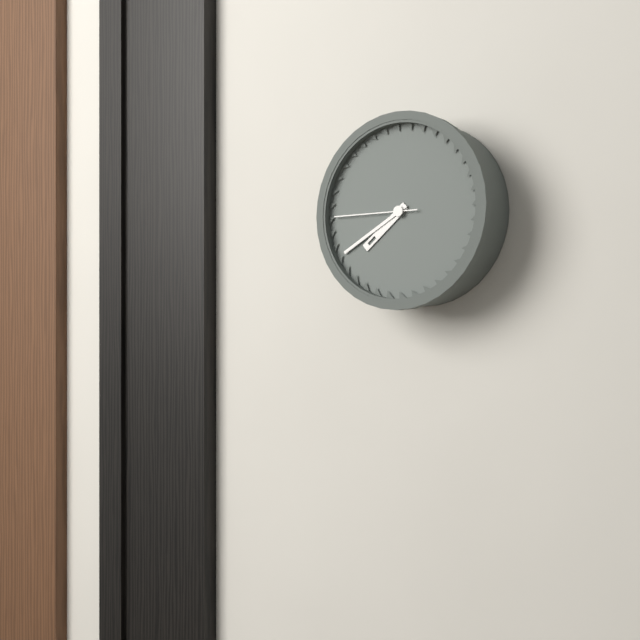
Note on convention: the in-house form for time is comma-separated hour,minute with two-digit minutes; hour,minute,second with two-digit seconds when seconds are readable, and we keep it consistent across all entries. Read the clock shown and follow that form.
7,40,45
